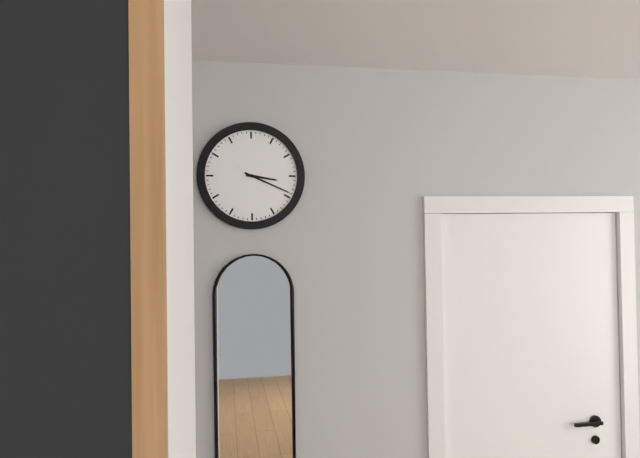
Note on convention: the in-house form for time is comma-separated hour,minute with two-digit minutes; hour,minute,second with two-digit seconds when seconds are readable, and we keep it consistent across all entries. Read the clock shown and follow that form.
3,19
